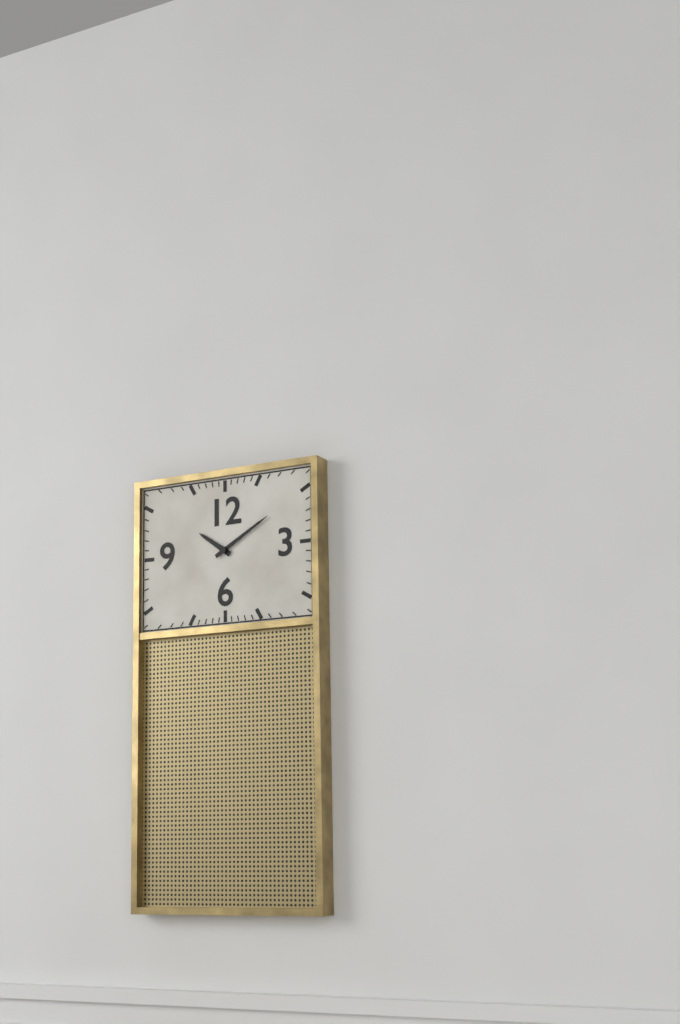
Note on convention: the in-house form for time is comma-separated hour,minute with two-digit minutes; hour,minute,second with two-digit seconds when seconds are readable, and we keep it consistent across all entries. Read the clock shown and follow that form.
10,10
